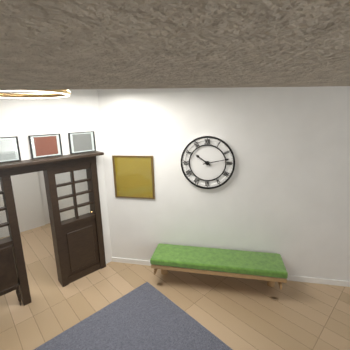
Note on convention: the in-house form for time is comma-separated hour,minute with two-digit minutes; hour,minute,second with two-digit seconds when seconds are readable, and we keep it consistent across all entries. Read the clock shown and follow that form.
10,13
